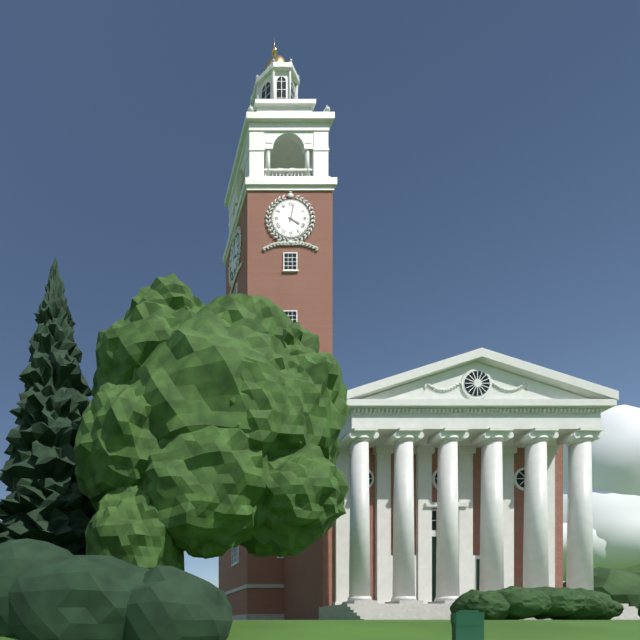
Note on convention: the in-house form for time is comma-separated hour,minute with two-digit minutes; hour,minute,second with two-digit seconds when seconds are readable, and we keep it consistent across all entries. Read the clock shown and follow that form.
4,02
